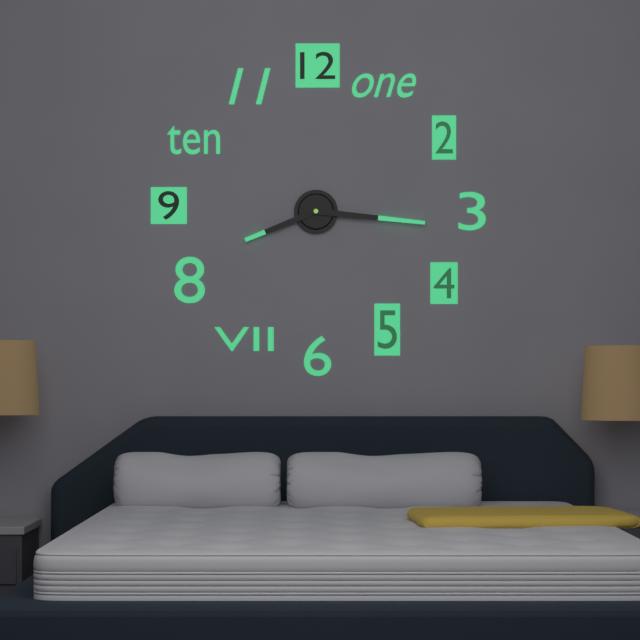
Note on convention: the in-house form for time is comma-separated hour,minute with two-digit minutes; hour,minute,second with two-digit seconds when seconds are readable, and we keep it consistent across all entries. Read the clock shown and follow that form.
8,16
